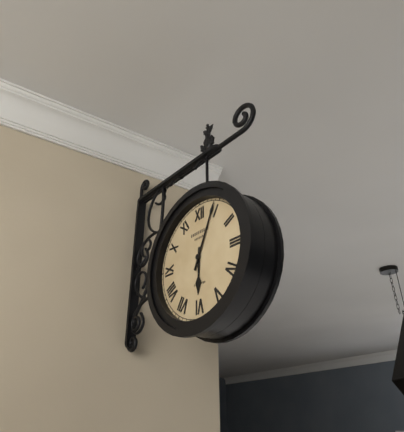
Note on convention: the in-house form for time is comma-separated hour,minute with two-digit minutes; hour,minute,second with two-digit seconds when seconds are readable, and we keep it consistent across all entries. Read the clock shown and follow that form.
6,04
